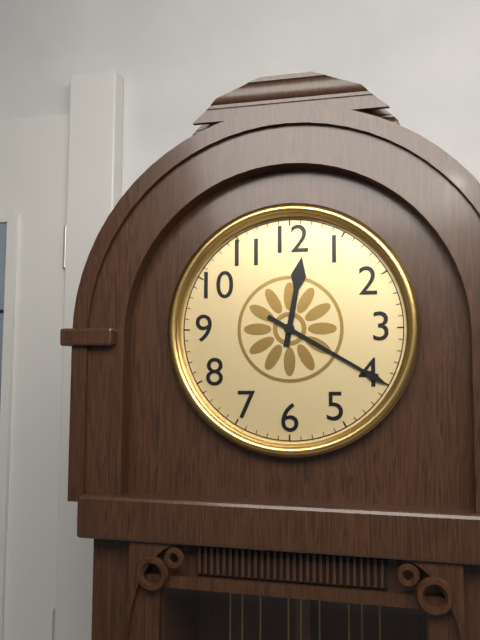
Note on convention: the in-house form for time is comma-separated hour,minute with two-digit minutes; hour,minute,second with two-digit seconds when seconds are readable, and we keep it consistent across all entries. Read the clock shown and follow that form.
12,20
